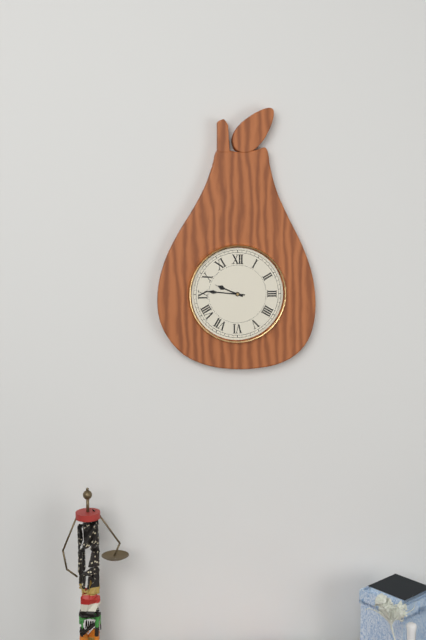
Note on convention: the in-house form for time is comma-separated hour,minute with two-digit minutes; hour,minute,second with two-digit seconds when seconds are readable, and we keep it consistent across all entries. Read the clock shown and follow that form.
9,46
